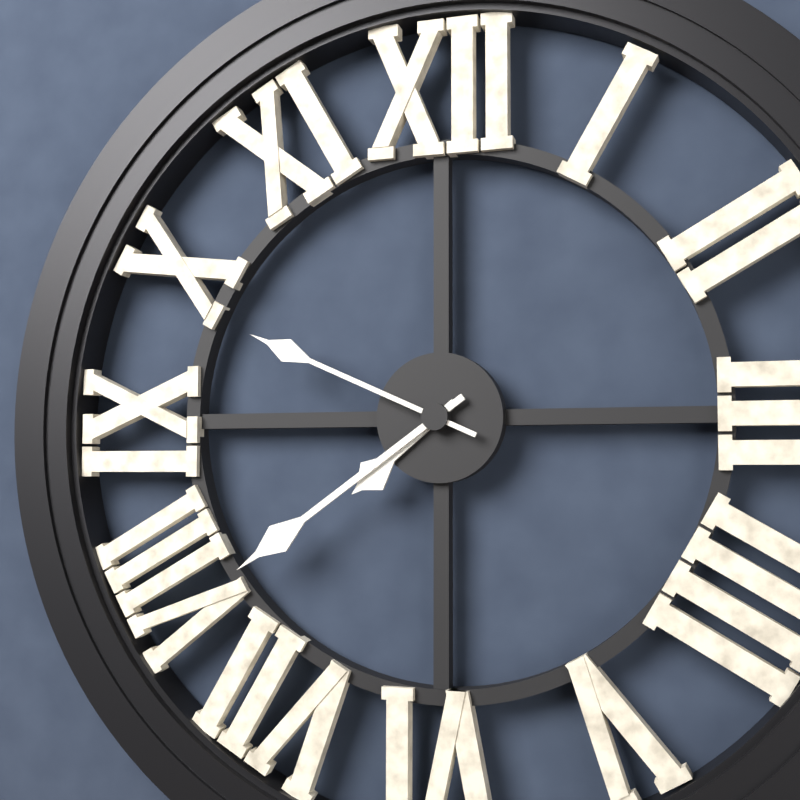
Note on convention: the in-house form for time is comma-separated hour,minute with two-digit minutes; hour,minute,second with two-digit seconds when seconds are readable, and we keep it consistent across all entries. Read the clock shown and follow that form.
7,39,49
